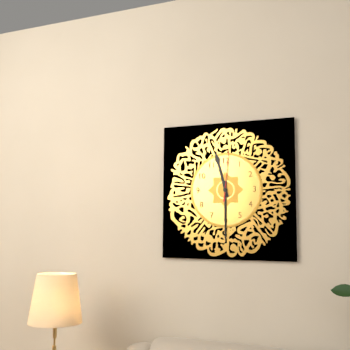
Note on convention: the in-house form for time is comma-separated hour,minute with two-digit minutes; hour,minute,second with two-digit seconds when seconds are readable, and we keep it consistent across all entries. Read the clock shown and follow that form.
11,30,01
